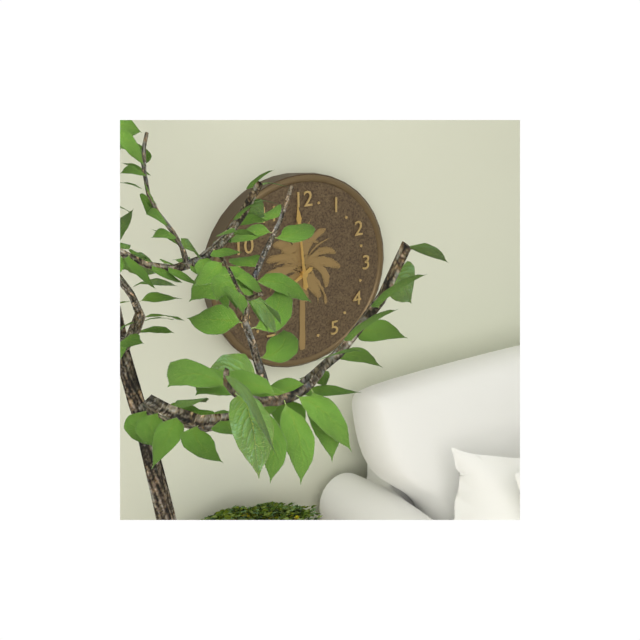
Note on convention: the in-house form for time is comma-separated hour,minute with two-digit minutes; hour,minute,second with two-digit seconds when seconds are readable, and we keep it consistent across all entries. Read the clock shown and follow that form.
7,59
